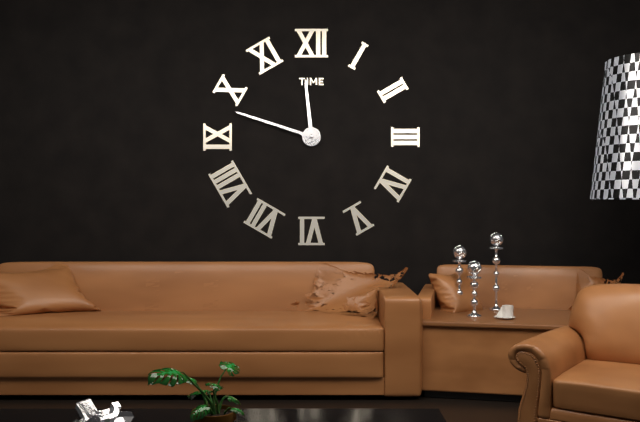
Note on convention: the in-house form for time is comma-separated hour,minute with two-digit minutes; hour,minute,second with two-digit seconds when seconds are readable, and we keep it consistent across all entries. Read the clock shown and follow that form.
11,48
